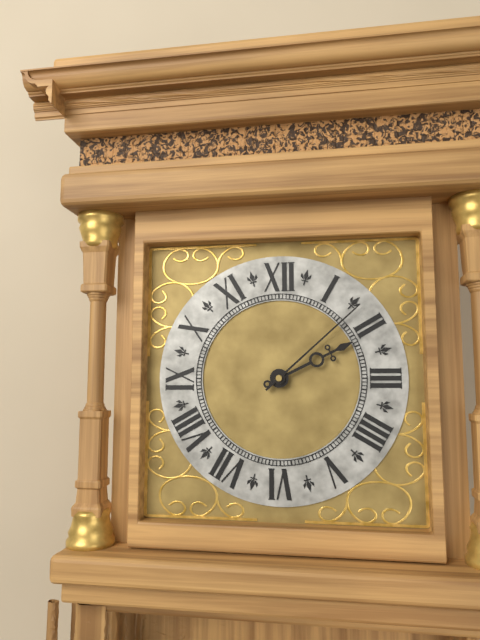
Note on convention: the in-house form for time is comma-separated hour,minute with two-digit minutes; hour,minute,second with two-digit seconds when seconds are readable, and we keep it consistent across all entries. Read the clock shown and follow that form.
2,08
